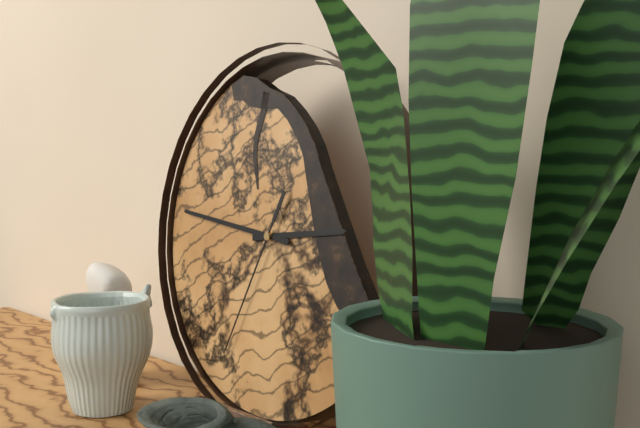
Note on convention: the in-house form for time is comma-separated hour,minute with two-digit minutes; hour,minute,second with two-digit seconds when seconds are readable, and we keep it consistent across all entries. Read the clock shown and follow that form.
2,46,34
